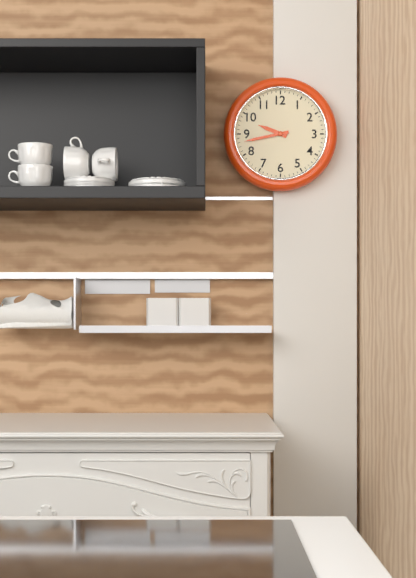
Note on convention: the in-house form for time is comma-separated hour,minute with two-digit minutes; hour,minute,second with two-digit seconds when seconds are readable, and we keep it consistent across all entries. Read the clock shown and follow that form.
9,43
